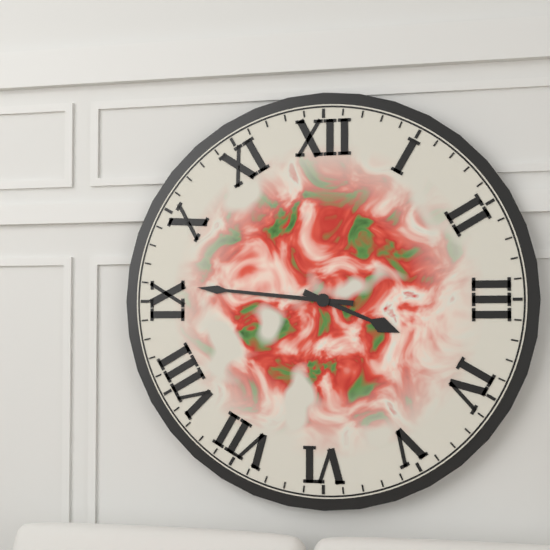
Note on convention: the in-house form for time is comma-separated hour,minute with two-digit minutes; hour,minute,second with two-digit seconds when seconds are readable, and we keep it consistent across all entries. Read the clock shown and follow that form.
3,46
